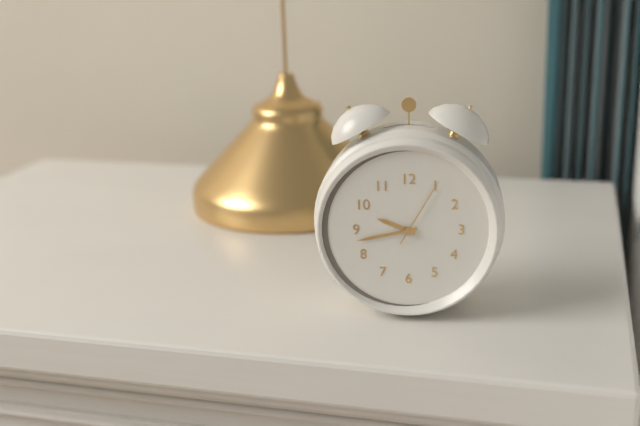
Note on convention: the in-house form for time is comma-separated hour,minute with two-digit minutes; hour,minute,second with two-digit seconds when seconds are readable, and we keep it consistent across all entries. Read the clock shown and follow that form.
9,43,05
